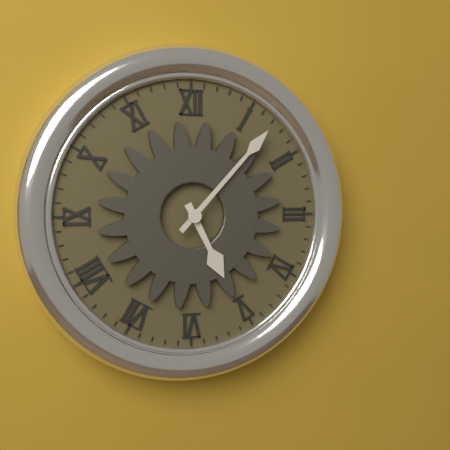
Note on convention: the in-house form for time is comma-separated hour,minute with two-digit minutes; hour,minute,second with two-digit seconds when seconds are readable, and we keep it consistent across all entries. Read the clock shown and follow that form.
5,07
